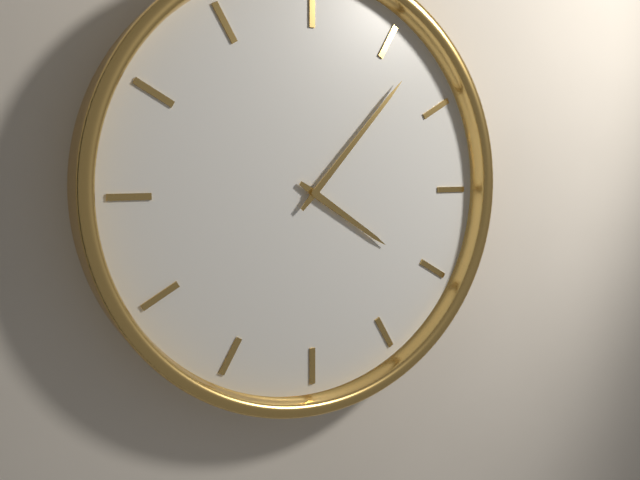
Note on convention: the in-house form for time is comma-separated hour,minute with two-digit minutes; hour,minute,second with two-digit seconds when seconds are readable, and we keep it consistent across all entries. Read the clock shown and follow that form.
4,07
